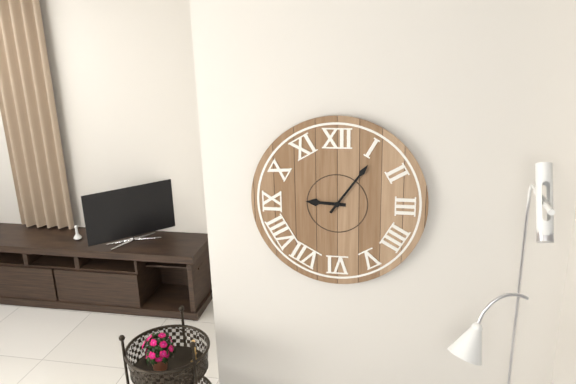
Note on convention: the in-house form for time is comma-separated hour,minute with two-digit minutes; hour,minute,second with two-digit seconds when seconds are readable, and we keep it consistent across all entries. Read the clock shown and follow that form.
9,06
